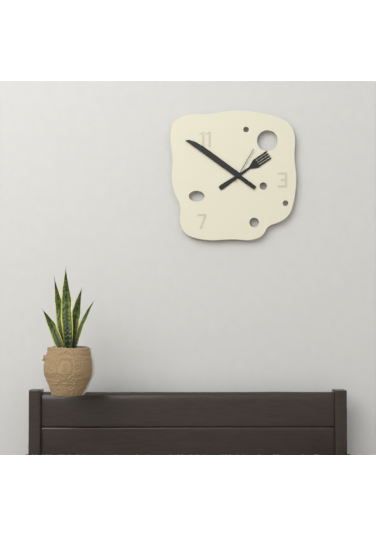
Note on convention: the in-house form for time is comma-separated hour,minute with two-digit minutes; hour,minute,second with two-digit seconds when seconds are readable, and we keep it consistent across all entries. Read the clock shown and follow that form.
1,51
